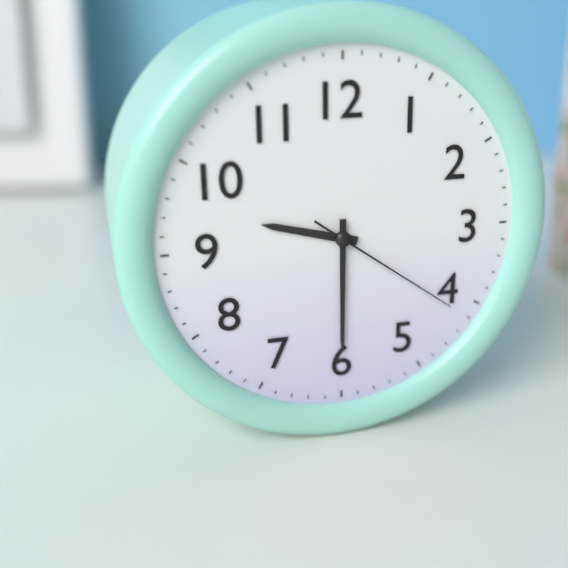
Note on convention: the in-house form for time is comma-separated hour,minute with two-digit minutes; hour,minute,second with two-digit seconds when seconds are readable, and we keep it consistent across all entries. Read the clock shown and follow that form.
9,30,21
